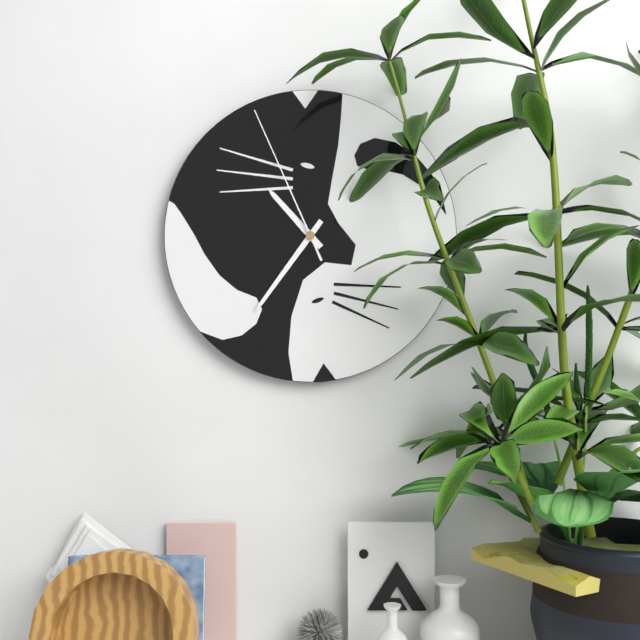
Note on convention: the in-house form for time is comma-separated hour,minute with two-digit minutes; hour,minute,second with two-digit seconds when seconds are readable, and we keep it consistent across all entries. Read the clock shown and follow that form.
10,36,56
